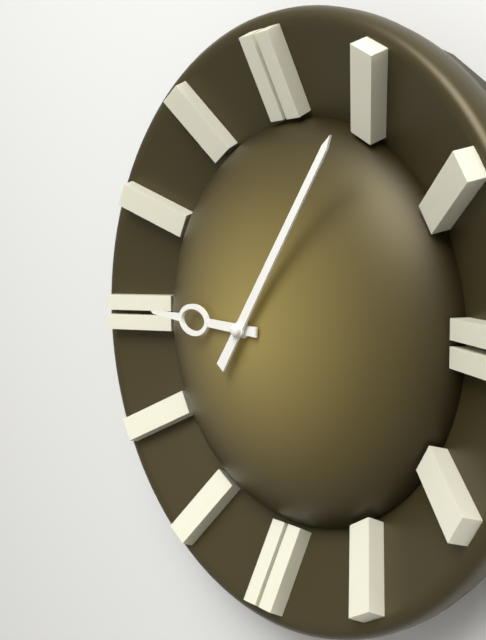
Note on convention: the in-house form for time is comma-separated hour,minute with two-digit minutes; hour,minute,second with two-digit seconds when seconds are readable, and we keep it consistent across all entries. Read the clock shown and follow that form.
9,06
